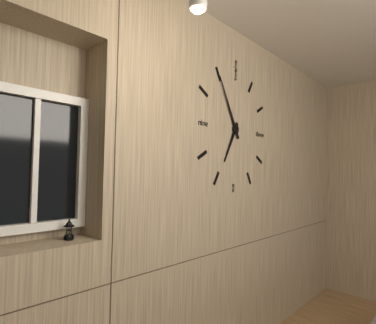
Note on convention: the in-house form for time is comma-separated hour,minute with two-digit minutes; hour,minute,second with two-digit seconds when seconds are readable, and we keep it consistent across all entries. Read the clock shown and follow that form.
6,55
